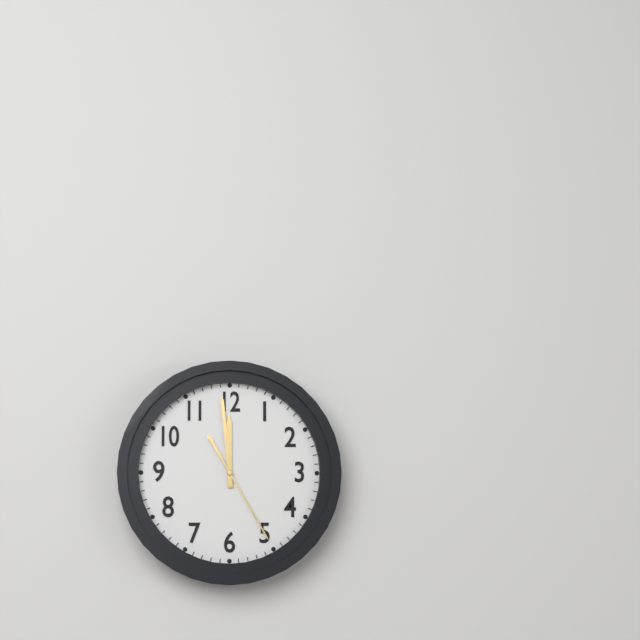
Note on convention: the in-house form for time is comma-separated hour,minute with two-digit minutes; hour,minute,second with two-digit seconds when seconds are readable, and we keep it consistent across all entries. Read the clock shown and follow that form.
11,59,25
